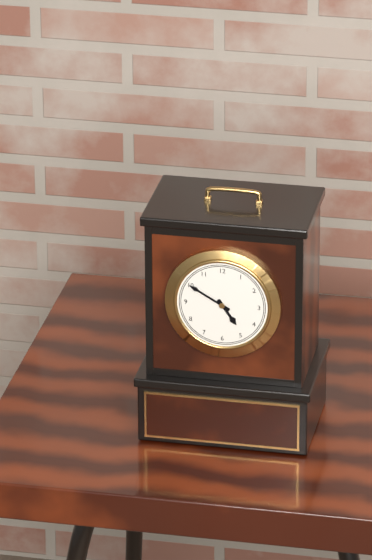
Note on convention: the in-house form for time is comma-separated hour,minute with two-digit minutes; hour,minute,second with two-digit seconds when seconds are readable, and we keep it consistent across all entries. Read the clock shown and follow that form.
4,50
